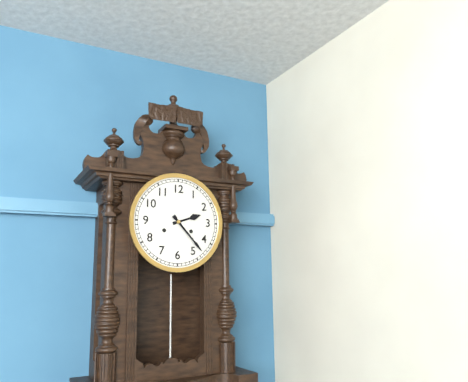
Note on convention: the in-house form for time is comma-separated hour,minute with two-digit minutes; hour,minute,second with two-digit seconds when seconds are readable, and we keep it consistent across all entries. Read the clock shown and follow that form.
2,23
